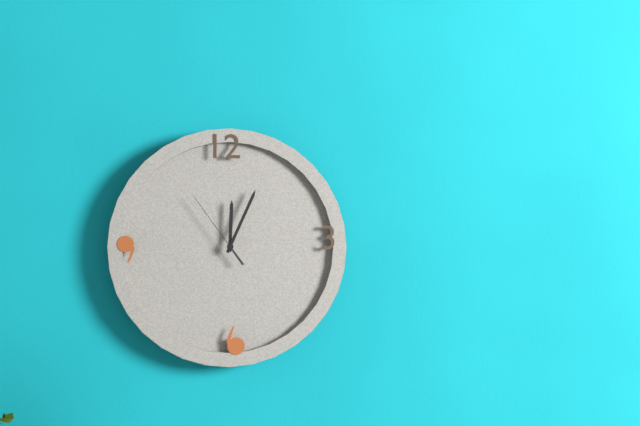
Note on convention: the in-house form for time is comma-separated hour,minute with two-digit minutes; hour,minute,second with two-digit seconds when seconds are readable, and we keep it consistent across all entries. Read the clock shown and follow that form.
12,04,54
